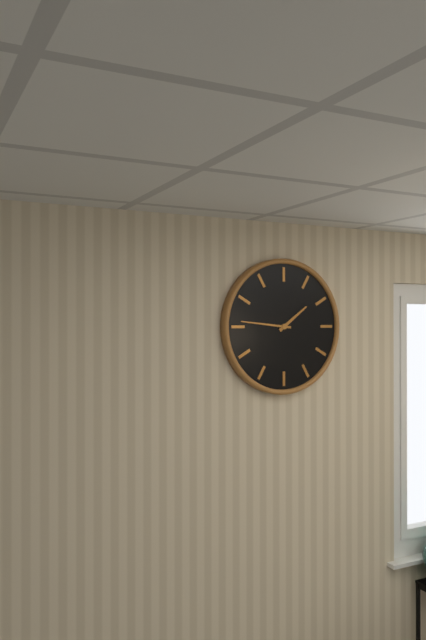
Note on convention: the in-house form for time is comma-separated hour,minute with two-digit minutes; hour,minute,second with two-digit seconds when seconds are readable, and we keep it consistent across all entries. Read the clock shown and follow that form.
1,46
